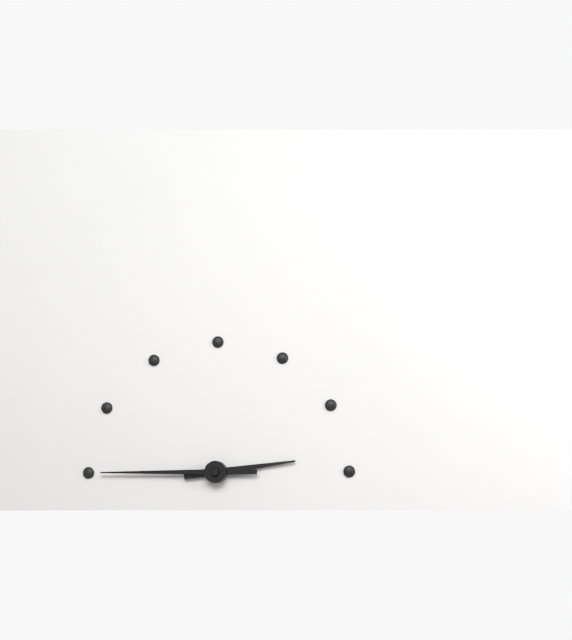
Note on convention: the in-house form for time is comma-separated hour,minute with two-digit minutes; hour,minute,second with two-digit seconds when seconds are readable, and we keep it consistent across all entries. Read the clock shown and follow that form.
2,45
